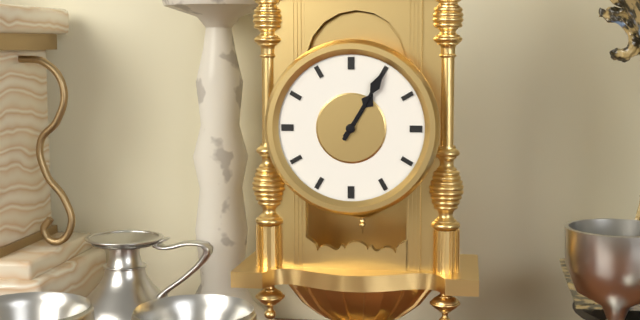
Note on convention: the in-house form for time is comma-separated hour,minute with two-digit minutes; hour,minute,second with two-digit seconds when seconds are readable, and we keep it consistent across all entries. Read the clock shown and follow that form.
1,05
